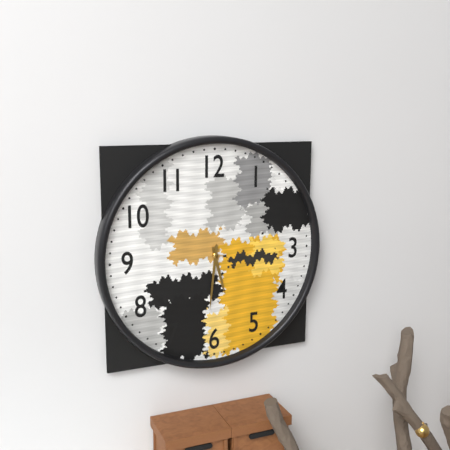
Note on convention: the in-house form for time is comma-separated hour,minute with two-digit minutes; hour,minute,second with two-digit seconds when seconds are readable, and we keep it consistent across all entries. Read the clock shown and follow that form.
5,31
